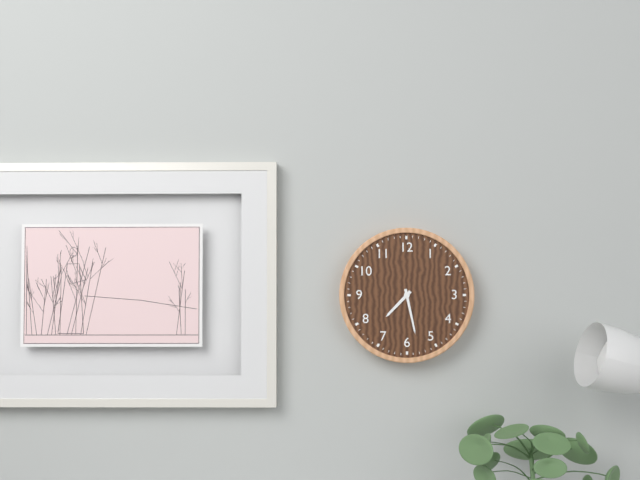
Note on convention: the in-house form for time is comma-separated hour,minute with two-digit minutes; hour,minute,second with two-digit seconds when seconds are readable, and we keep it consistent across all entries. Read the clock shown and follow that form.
7,28
